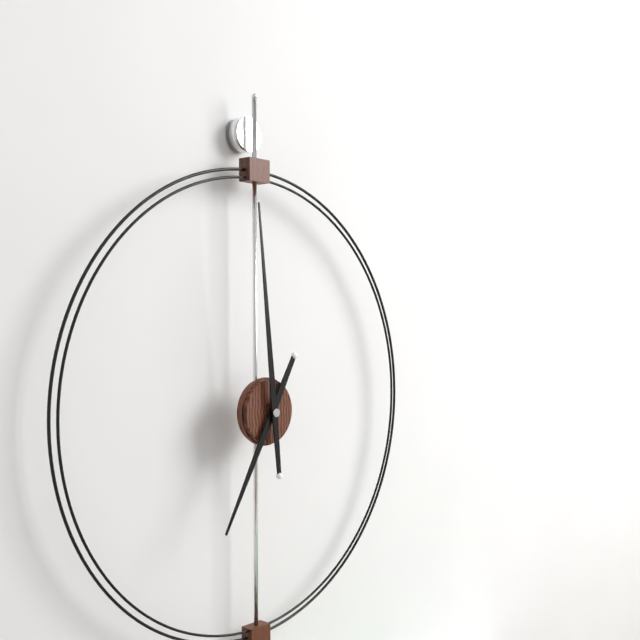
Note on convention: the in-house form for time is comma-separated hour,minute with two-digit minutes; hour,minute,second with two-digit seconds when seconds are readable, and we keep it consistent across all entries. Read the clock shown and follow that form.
6,59
